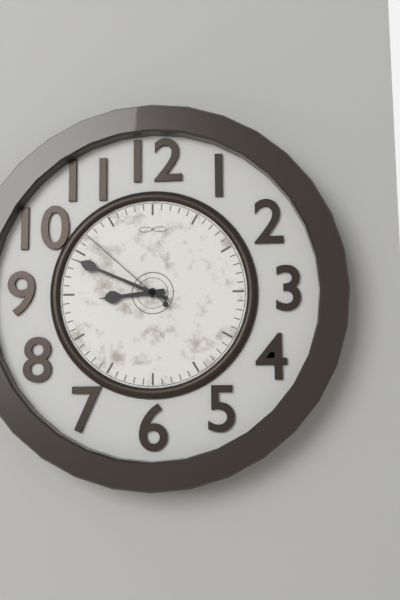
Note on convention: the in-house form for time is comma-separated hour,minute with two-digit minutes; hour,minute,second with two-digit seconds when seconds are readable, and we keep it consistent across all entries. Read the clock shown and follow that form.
8,49,52
